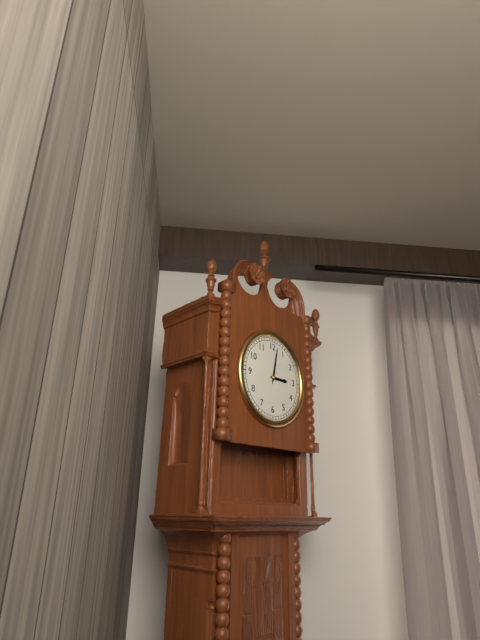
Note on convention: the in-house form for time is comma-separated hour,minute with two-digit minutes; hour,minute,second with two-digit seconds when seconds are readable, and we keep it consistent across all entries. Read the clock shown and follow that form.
3,02
